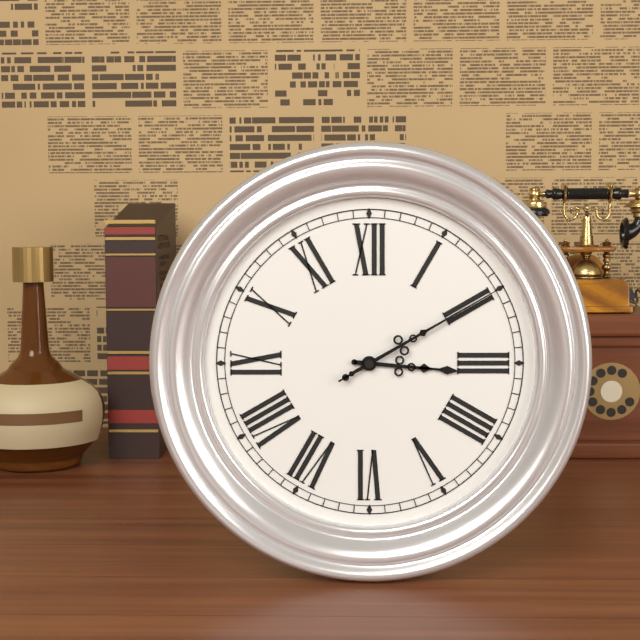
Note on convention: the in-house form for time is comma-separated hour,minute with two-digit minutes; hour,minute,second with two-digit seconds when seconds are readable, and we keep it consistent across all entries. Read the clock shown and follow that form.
3,10,10
